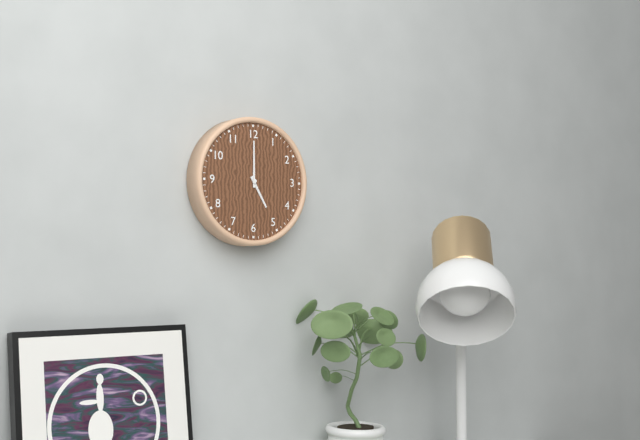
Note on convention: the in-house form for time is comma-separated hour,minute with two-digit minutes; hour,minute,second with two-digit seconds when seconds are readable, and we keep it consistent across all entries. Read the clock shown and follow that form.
5,00
